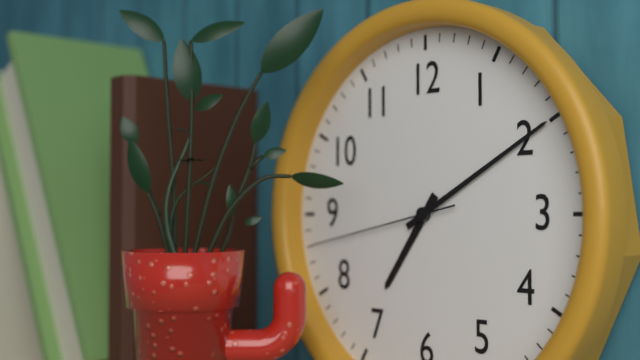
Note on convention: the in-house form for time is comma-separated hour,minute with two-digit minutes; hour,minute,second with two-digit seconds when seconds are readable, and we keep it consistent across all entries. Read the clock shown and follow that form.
7,10,43
